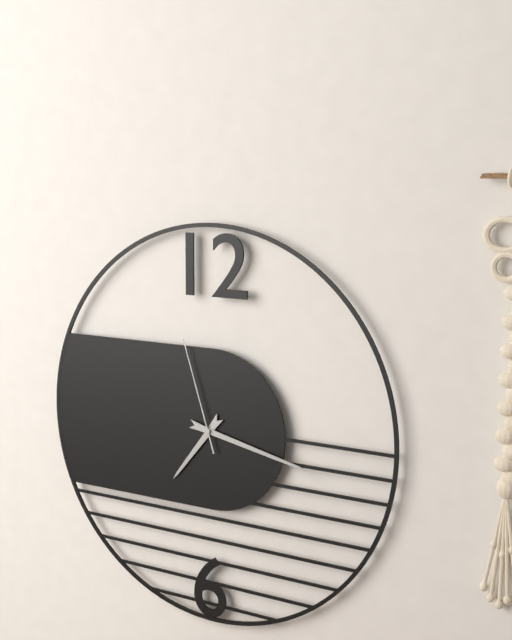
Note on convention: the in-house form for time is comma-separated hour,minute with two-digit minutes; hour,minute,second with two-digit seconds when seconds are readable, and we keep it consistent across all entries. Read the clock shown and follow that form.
7,17,57
